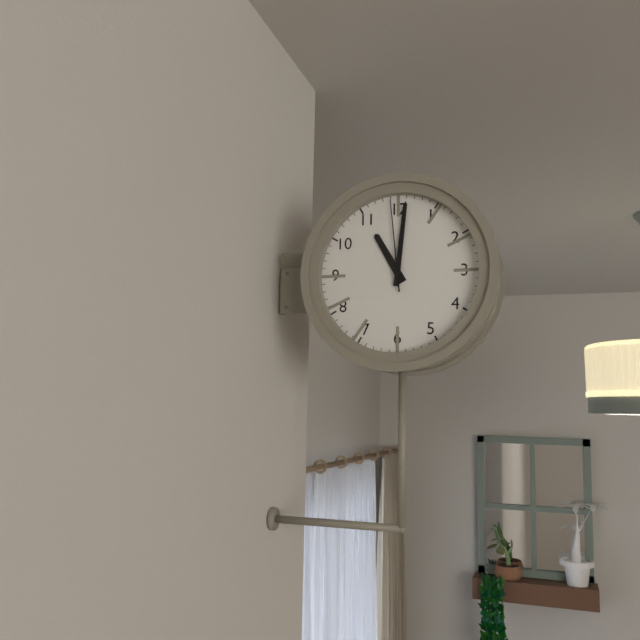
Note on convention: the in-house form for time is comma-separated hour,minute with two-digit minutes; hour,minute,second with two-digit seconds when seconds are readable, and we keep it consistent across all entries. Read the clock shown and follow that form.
11,01,59
